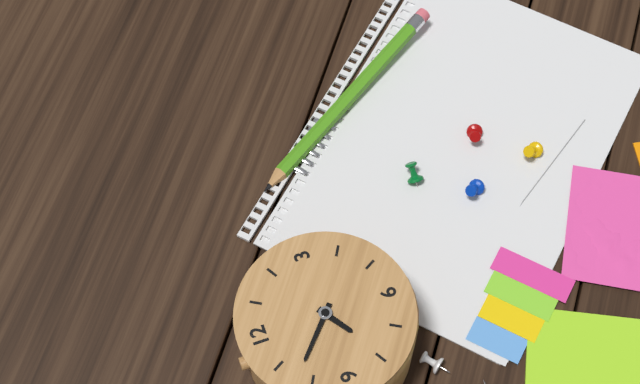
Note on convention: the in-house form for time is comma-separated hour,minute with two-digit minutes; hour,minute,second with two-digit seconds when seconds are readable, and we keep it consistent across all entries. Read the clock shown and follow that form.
7,52
